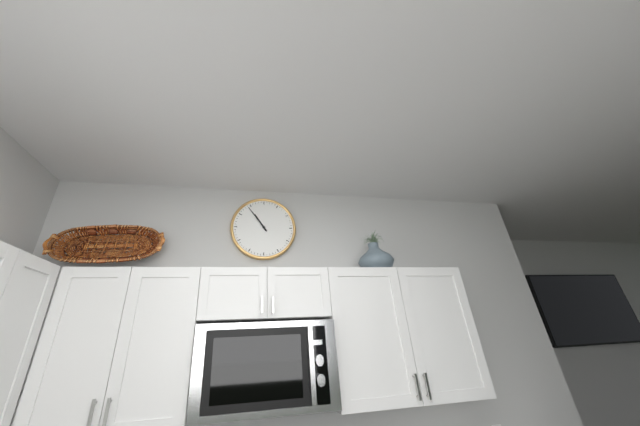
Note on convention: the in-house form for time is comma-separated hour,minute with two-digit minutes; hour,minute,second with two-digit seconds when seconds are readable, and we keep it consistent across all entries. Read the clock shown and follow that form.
10,54
